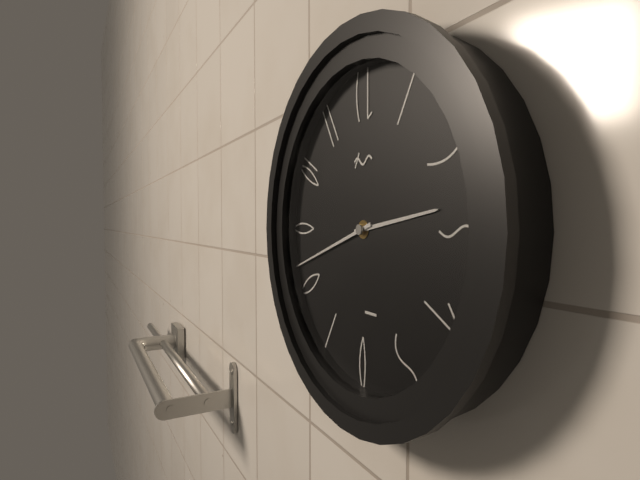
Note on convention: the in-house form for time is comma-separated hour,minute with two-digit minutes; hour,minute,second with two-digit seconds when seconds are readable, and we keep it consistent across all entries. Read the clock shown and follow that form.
2,42
